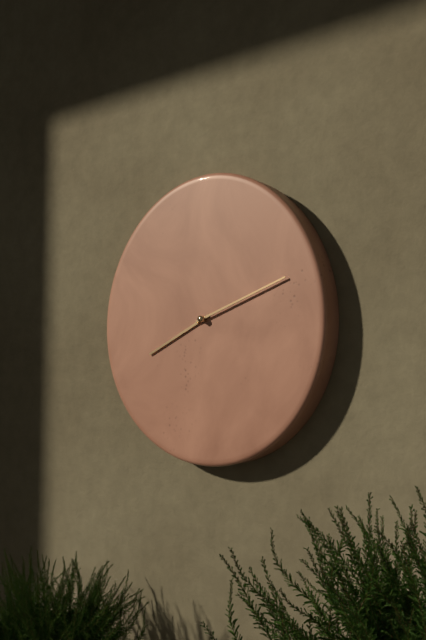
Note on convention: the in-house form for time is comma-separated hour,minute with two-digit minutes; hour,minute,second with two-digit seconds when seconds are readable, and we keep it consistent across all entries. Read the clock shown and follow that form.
8,12
